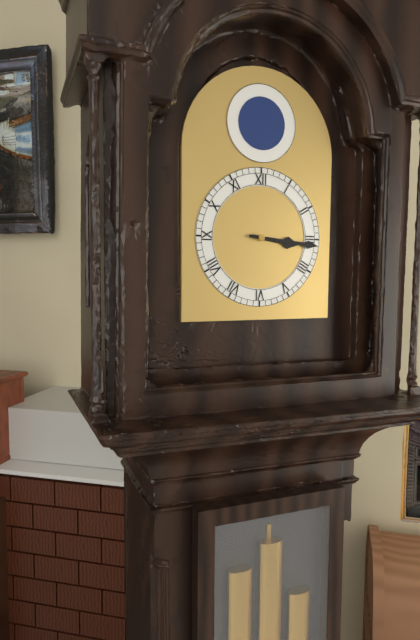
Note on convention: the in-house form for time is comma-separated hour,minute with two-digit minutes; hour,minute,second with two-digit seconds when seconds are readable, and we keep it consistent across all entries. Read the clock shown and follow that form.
3,16
